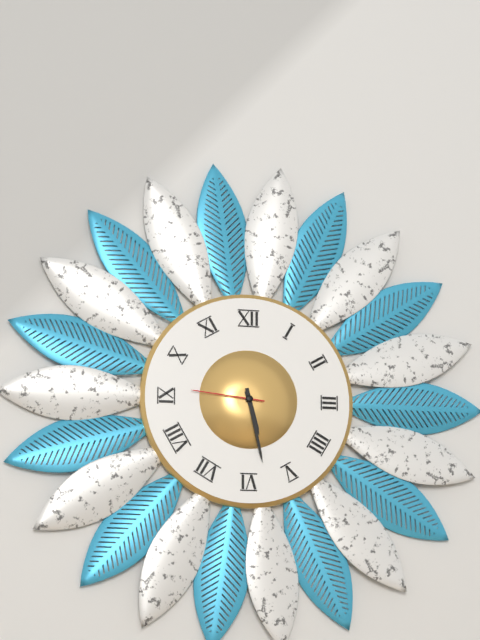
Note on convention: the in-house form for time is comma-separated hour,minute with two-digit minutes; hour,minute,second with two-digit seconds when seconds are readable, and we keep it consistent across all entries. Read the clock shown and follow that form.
5,28,46
